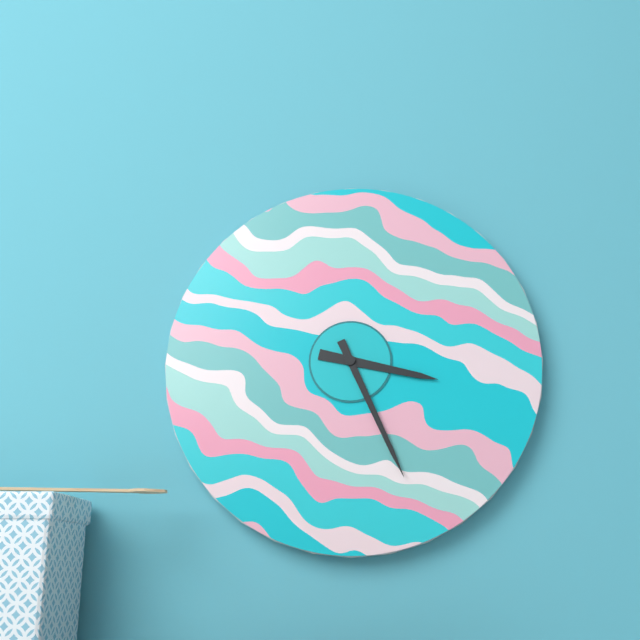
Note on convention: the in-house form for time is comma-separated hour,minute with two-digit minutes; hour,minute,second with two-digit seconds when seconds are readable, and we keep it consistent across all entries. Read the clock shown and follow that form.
3,26
